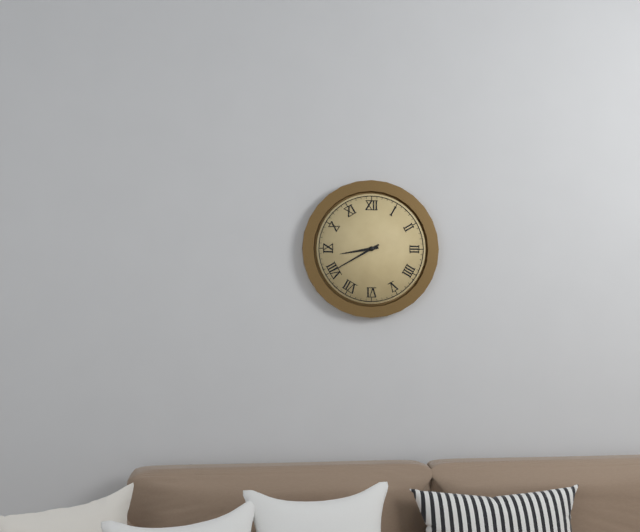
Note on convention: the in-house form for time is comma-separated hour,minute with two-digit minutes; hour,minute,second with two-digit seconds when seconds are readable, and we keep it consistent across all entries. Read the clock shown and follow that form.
8,40
